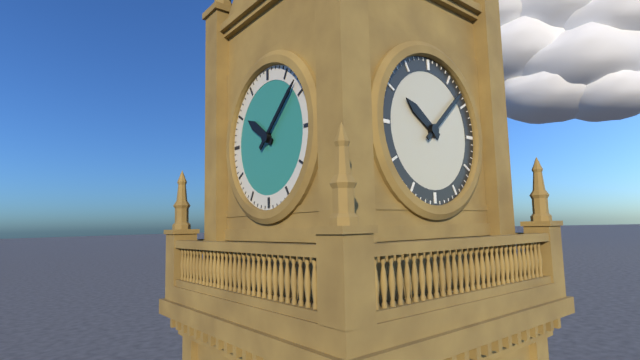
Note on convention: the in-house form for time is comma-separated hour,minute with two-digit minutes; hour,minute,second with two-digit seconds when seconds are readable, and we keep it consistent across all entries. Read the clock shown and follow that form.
10,08
